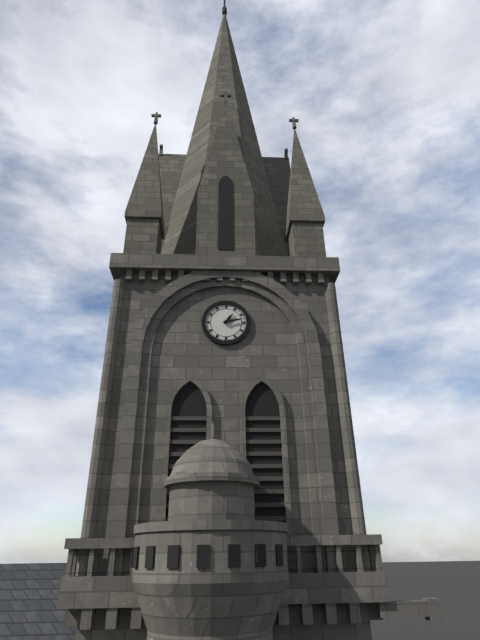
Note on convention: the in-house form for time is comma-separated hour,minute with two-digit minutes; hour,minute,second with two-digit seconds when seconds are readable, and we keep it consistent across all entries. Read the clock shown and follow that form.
1,13
